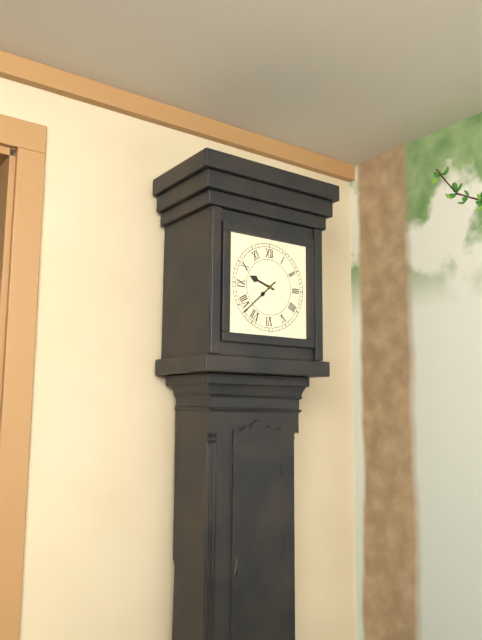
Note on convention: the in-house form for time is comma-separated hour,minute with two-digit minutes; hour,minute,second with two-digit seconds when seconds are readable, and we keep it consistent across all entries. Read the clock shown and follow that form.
9,38
